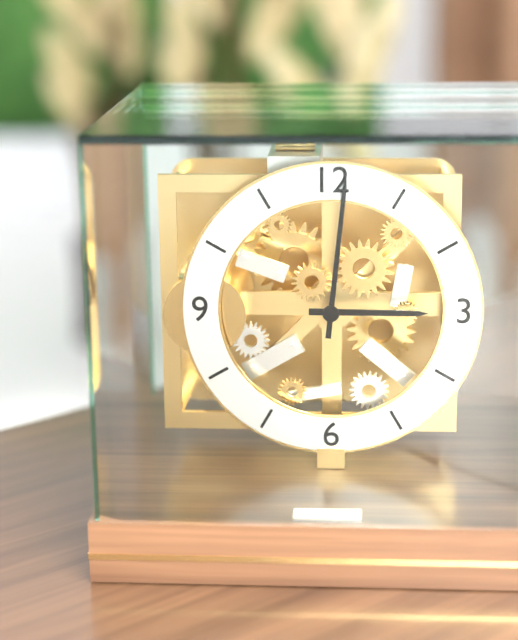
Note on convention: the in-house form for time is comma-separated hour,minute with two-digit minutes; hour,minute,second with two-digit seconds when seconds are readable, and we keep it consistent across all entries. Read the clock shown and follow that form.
3,01
